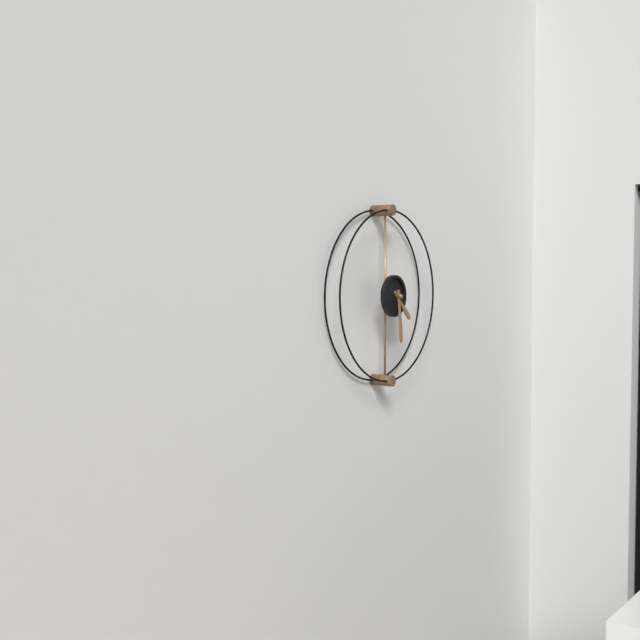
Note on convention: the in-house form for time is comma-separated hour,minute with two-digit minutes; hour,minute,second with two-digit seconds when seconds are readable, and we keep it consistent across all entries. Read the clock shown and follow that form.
4,29
